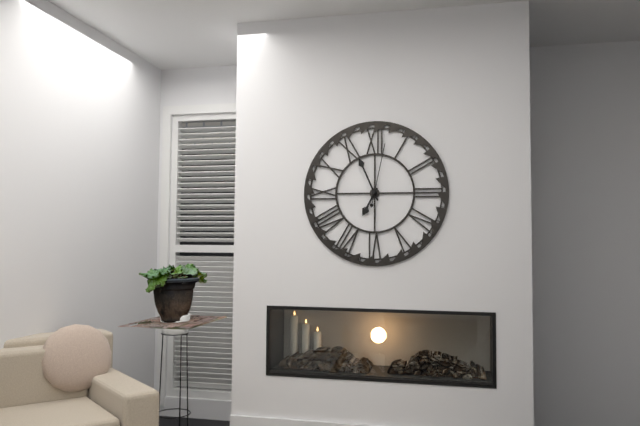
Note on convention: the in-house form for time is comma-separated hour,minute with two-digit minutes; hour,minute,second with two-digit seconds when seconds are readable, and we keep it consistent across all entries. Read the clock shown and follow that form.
6,56,02
